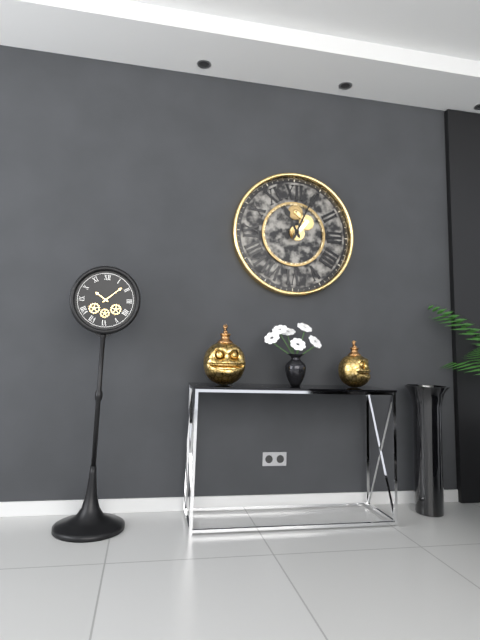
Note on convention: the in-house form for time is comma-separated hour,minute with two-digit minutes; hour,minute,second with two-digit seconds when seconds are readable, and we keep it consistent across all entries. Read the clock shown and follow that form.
11,04
